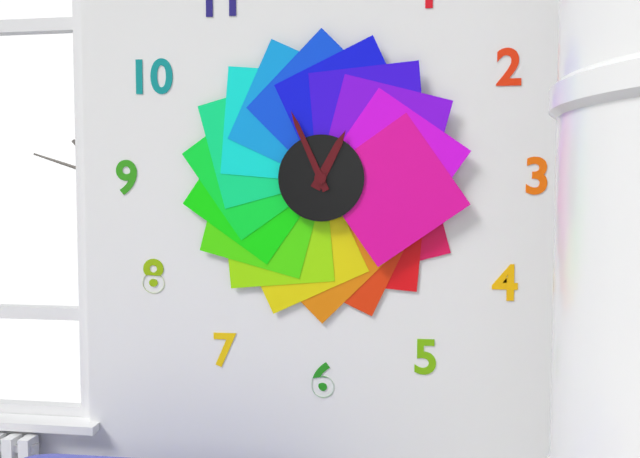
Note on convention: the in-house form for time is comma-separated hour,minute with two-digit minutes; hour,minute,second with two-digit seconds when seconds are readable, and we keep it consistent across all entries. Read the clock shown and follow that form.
12,56
